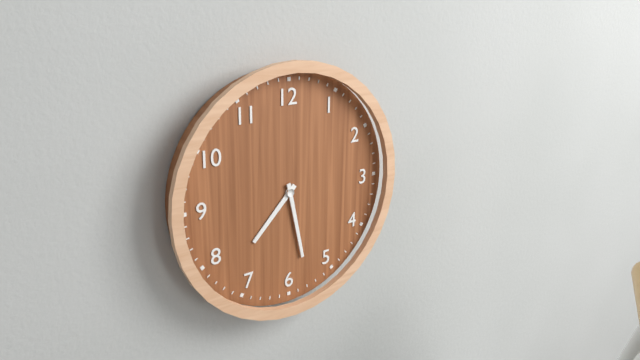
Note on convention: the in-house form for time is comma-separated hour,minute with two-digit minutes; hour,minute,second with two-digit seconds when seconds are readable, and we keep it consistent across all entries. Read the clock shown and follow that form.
7,28
